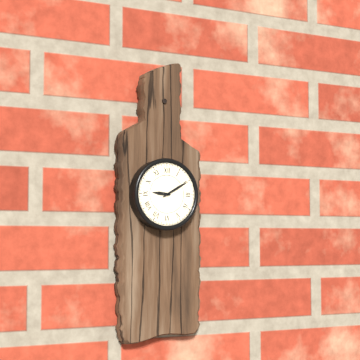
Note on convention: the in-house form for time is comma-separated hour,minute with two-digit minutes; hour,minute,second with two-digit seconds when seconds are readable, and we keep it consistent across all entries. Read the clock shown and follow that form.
9,10
